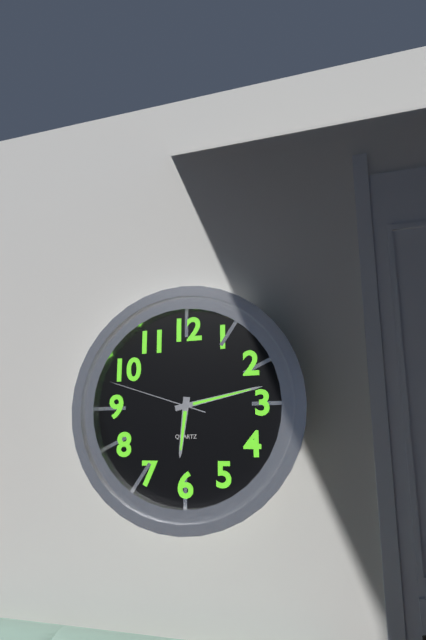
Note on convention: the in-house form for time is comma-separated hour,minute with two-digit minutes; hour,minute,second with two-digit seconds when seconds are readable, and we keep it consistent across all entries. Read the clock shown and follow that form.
6,13,48
